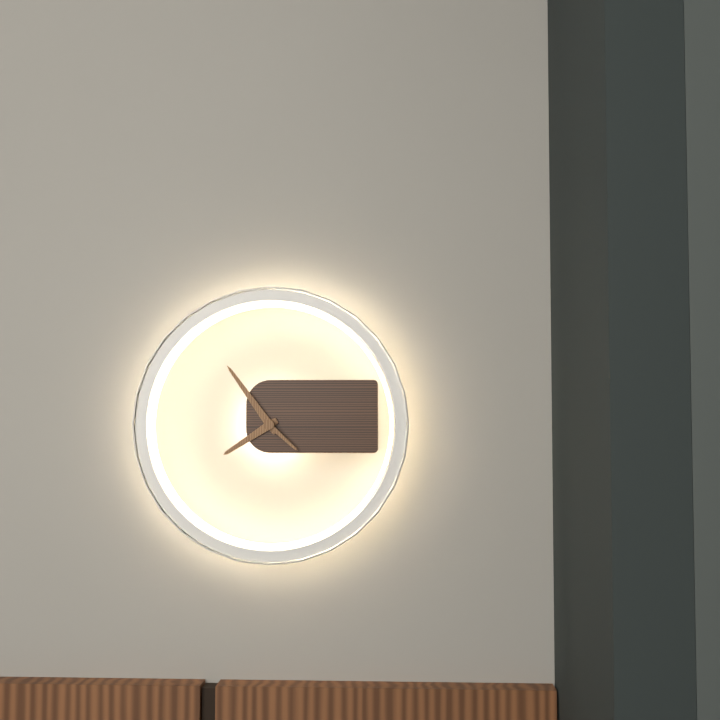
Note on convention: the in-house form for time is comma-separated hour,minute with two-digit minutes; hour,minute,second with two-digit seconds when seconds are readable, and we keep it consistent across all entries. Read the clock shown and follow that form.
7,54
